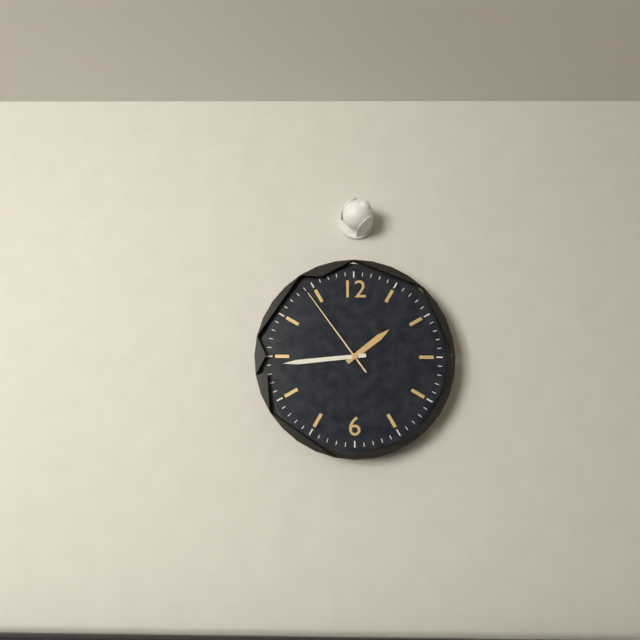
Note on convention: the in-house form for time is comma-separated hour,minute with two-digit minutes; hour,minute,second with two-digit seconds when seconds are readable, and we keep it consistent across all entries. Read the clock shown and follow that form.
1,44,54
